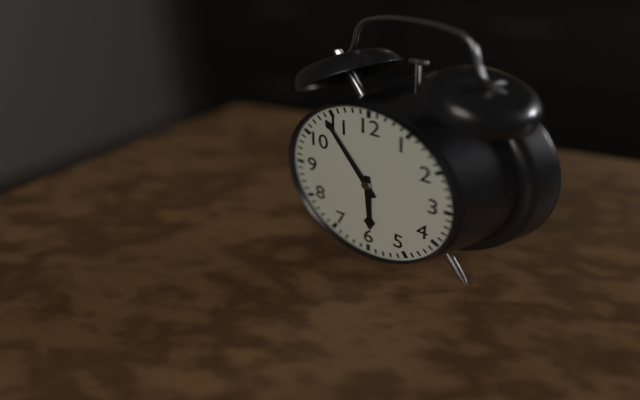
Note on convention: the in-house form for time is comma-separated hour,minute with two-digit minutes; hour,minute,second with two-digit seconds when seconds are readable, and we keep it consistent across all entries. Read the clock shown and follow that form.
5,54
